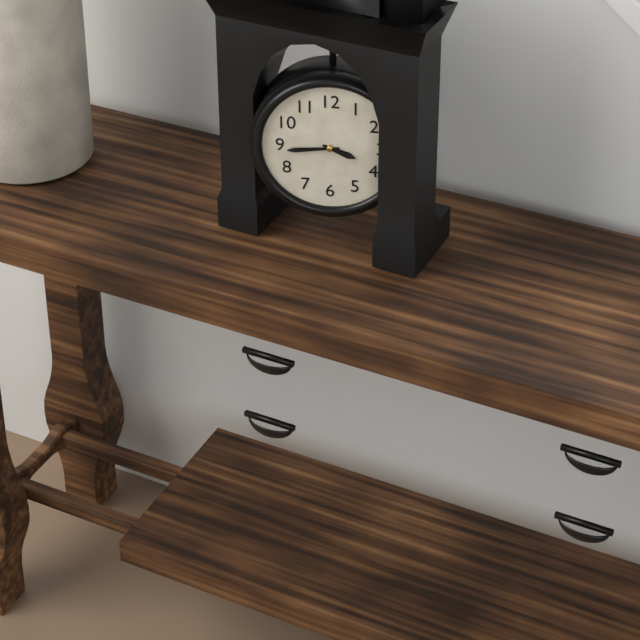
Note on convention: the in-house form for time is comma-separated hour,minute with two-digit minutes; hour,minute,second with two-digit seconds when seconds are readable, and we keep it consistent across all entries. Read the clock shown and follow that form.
3,44
